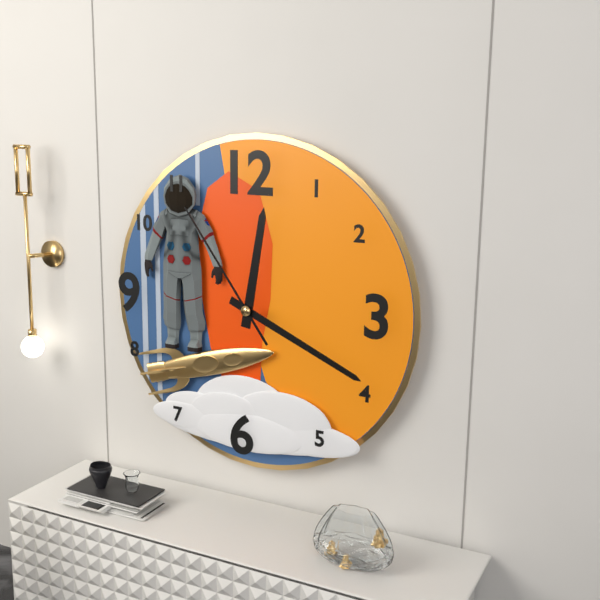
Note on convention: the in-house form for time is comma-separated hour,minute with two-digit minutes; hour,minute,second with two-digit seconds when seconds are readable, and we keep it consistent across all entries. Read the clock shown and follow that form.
12,19,54
